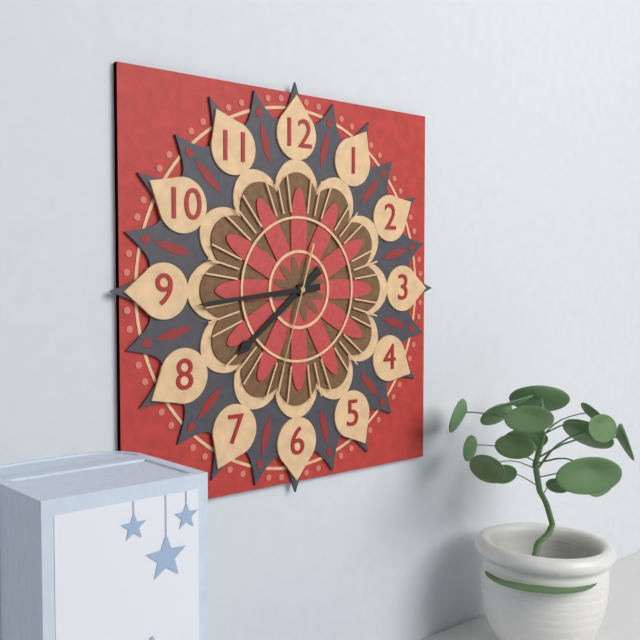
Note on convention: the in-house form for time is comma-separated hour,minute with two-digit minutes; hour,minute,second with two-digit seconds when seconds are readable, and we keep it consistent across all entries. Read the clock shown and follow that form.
7,44,33
